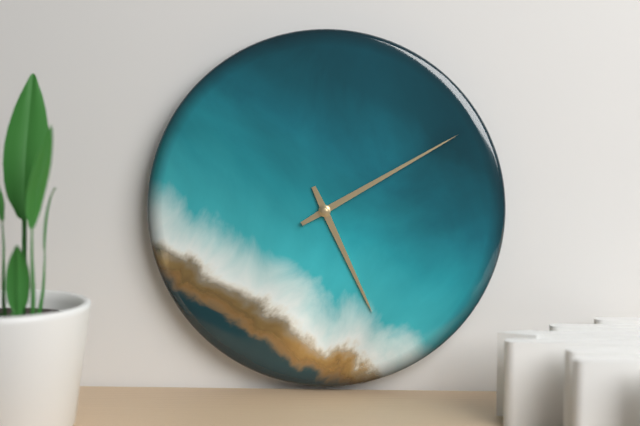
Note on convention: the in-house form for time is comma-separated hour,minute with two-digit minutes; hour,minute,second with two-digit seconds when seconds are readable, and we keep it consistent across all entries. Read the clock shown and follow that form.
5,10
